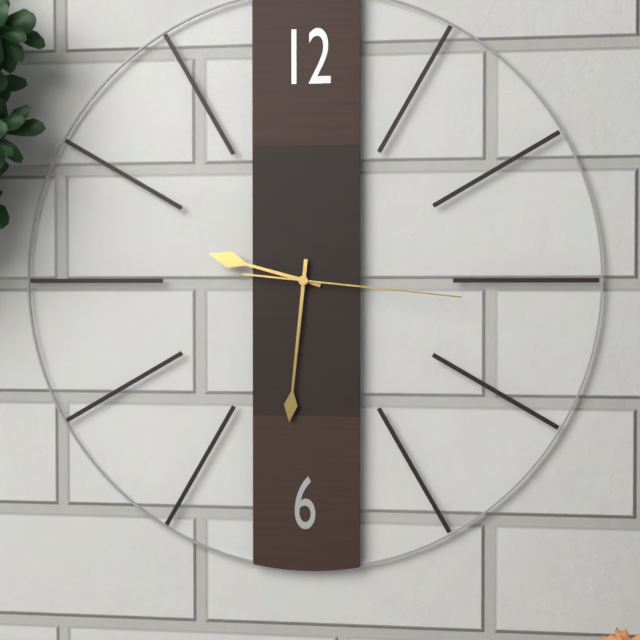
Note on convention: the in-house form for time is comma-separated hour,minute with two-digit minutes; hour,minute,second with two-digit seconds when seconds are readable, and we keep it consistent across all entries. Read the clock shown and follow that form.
9,31,16
